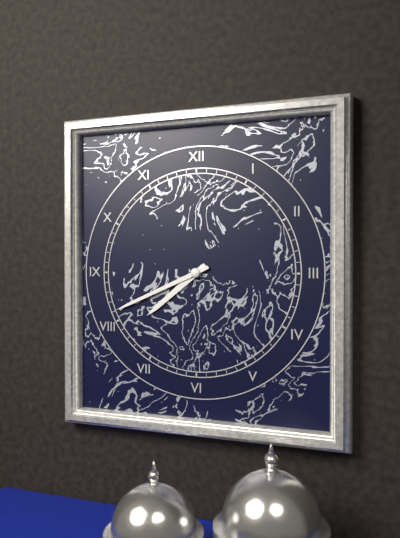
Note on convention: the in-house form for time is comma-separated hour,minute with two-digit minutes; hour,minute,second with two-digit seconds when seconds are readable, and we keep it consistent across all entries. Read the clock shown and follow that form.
7,41
